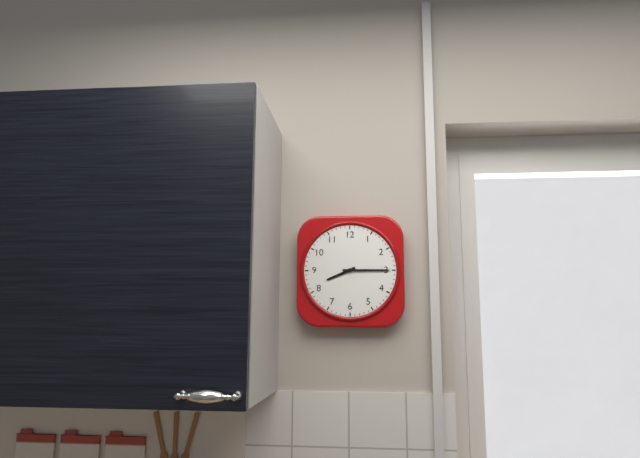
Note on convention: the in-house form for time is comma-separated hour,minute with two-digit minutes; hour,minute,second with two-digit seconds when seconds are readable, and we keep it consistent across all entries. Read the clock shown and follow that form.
8,15
